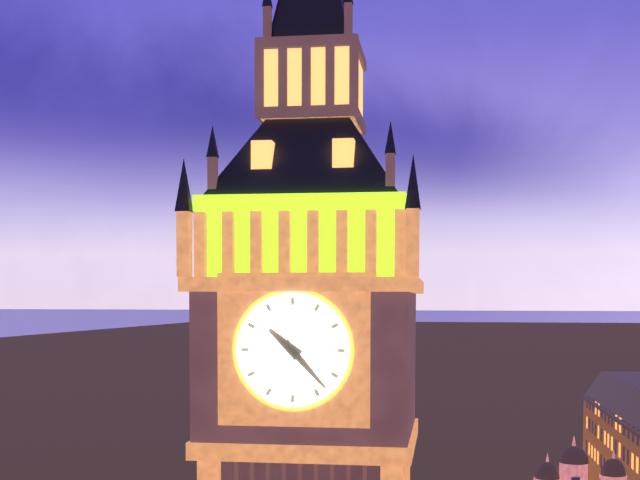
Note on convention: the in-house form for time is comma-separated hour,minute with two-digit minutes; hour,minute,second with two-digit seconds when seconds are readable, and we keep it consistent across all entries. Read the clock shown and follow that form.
10,23
